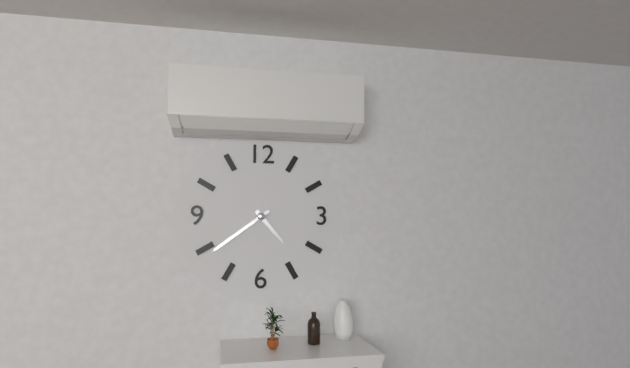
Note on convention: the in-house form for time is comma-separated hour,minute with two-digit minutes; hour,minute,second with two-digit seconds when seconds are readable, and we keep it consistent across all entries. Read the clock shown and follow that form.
4,39
